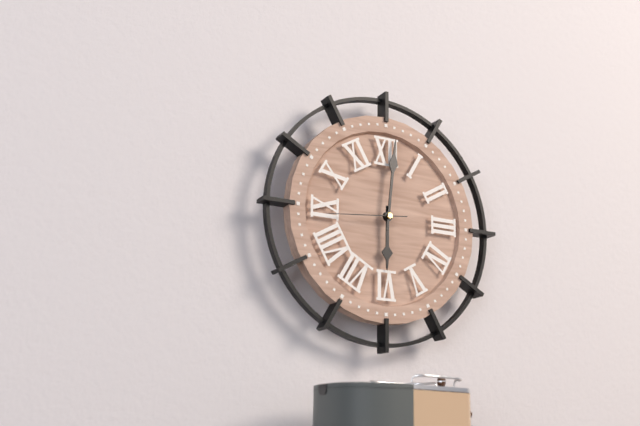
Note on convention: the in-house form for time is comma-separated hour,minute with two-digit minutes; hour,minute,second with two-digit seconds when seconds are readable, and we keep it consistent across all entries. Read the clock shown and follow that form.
6,01,44
